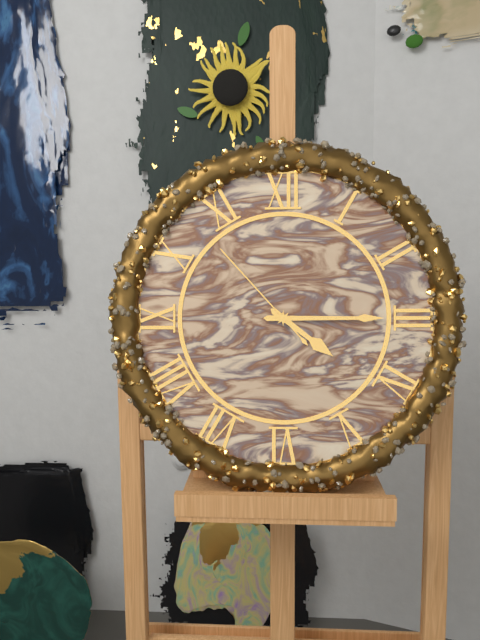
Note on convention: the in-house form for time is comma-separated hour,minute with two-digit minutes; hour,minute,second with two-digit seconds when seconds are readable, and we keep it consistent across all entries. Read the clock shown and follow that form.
4,15,53
